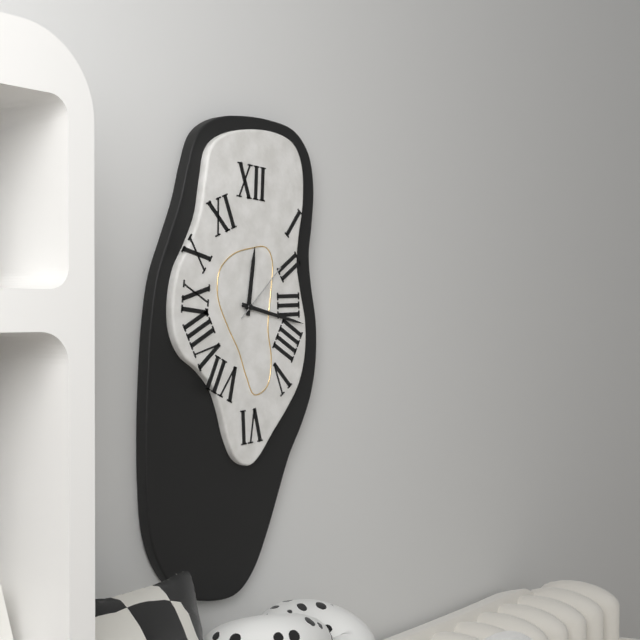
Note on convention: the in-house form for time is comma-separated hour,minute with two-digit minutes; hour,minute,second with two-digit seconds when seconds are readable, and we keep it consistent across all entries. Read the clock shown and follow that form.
12,17,08
